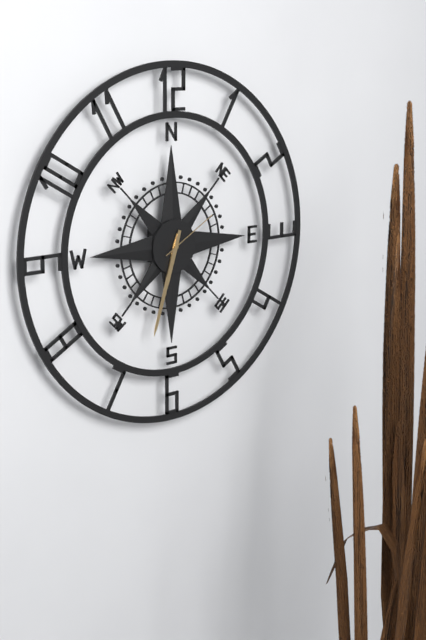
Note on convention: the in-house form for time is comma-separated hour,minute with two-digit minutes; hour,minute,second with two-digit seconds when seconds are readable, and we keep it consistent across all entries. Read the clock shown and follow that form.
6,33,10
